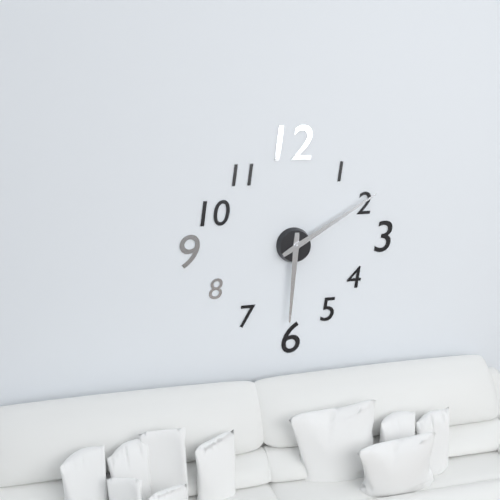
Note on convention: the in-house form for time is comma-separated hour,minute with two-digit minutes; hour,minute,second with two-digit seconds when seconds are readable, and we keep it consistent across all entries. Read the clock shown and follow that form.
6,10
